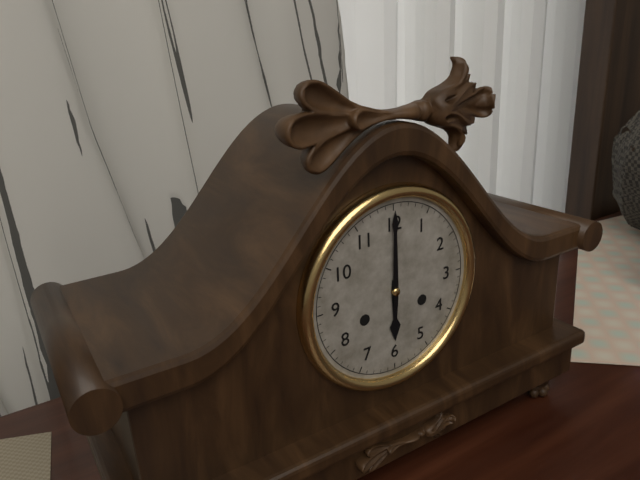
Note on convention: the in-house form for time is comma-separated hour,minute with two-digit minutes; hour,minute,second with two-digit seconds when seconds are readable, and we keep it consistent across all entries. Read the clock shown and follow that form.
6,00
